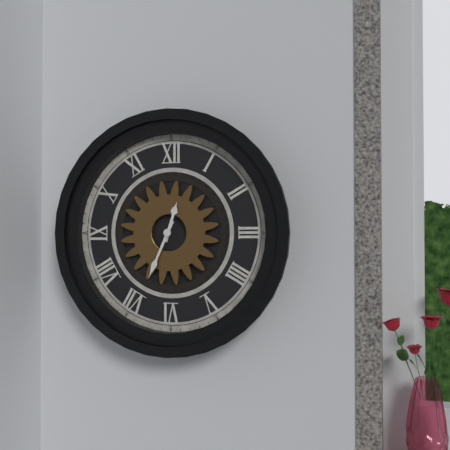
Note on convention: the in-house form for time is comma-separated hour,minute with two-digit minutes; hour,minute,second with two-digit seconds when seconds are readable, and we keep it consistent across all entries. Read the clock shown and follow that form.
12,34
